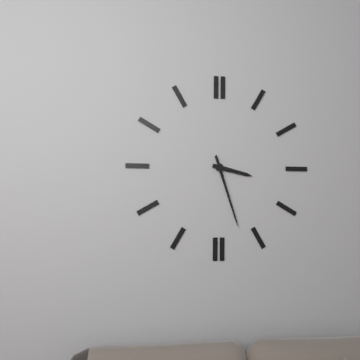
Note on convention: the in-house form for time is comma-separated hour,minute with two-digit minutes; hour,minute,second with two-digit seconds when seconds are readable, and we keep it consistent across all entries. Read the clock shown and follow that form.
3,27
